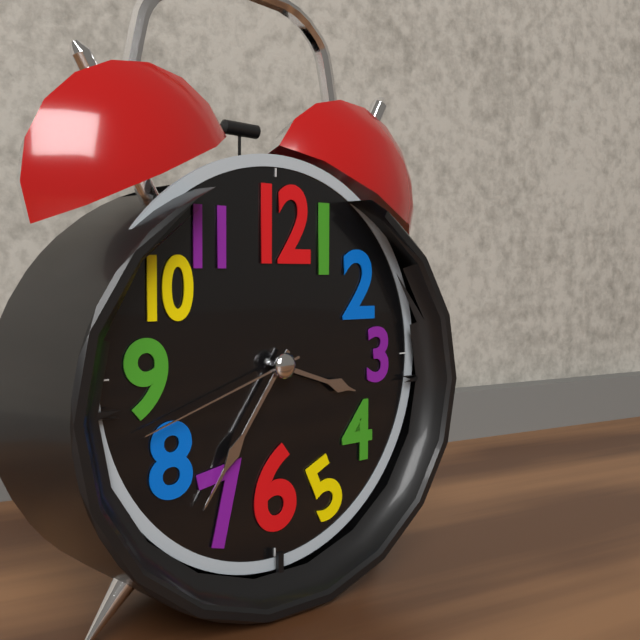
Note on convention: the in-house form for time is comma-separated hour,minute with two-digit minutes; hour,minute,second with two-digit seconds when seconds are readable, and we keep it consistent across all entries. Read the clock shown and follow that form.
3,36,42
